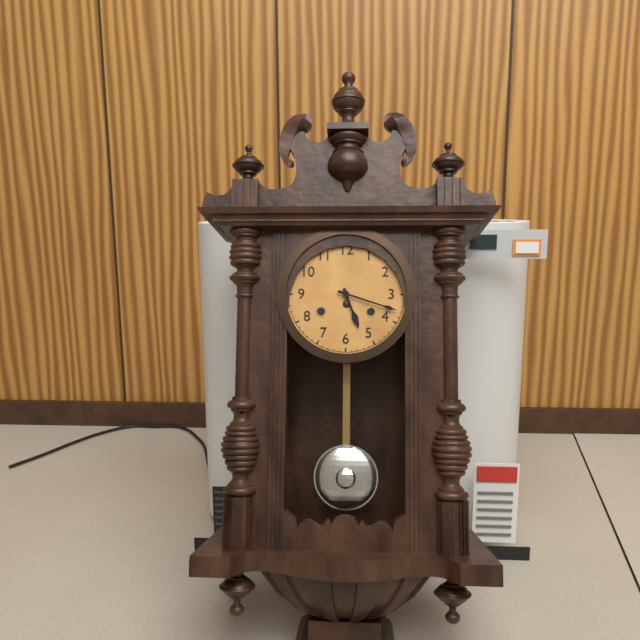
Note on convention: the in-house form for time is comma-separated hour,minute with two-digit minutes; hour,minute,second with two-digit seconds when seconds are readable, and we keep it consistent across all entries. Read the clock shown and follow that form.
5,18
